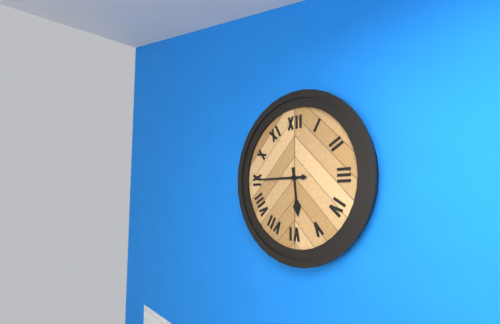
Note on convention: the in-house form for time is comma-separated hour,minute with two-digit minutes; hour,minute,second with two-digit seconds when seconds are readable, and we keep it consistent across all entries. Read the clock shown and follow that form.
5,45
